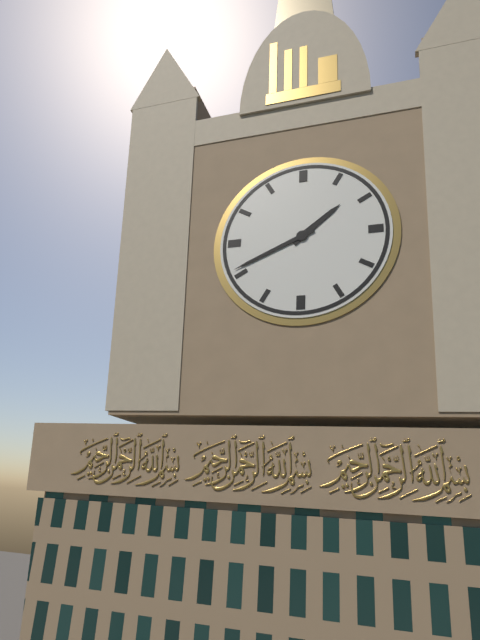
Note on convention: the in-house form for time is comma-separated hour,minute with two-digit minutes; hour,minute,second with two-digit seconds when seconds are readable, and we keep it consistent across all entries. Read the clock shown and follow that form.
1,41
